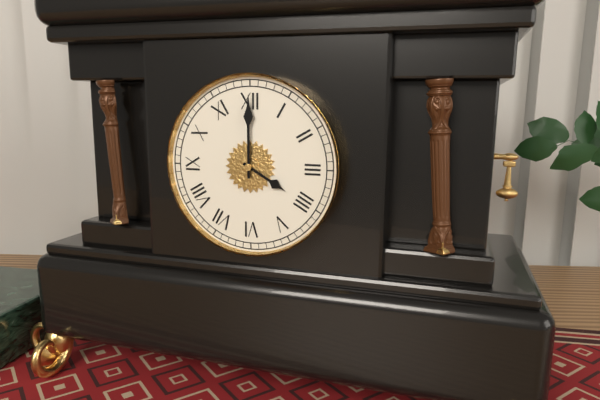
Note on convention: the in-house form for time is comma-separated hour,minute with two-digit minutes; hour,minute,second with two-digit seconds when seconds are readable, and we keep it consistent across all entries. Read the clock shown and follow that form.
4,00
